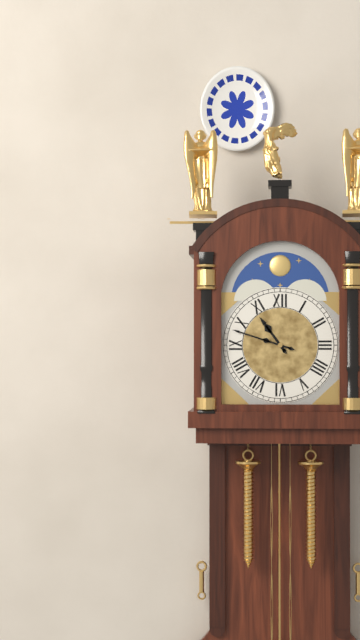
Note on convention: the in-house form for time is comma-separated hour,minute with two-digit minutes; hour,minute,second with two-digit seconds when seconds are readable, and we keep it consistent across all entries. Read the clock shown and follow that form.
10,48
